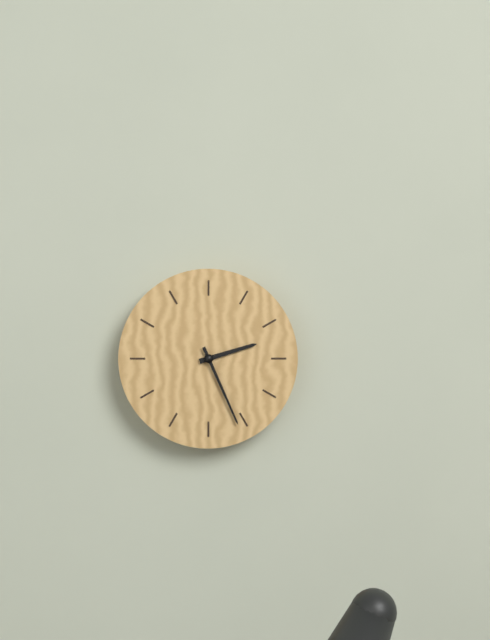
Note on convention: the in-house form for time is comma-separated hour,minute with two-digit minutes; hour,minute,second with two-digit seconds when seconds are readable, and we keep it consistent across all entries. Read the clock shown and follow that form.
2,26
